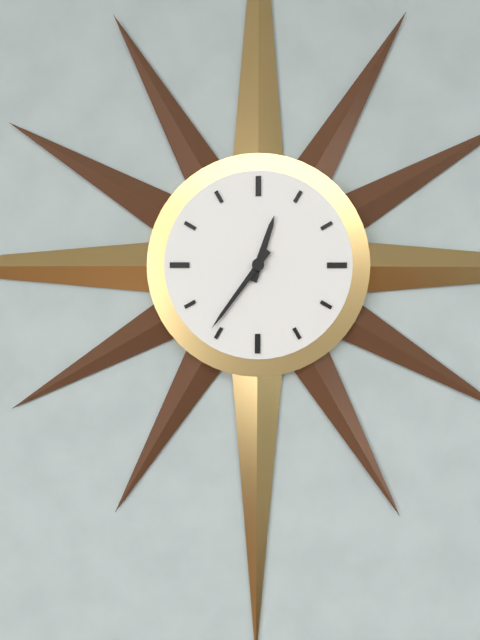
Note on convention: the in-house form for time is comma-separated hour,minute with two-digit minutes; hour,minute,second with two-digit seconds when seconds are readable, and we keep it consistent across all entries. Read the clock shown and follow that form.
12,36
